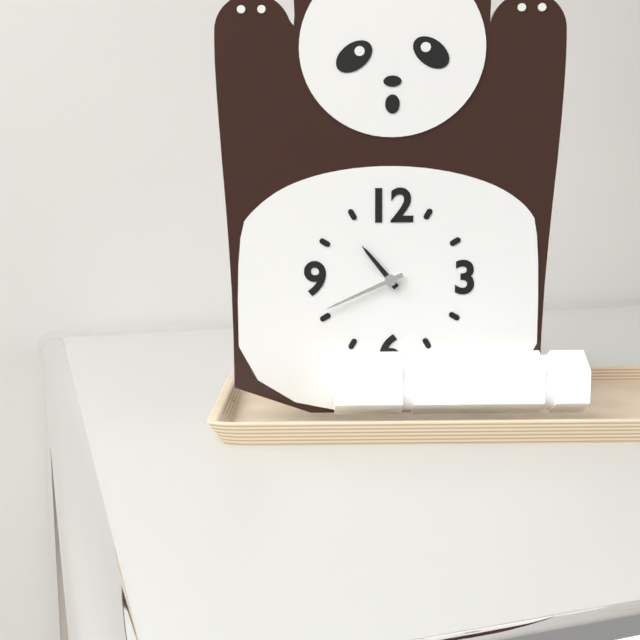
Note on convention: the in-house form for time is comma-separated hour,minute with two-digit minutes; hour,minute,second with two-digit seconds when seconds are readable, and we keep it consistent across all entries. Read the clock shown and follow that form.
10,41
